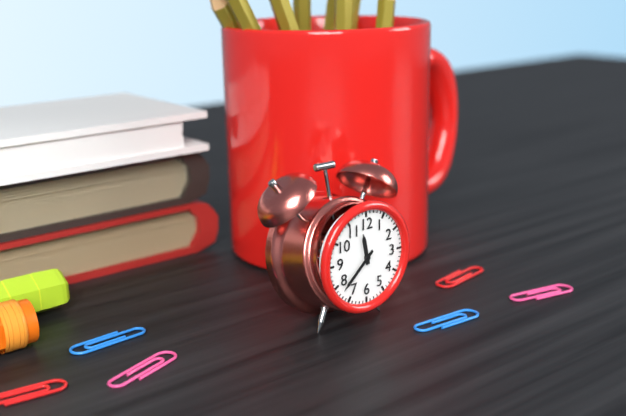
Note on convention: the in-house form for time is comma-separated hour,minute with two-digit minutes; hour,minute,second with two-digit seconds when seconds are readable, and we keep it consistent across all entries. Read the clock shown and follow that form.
11,38
